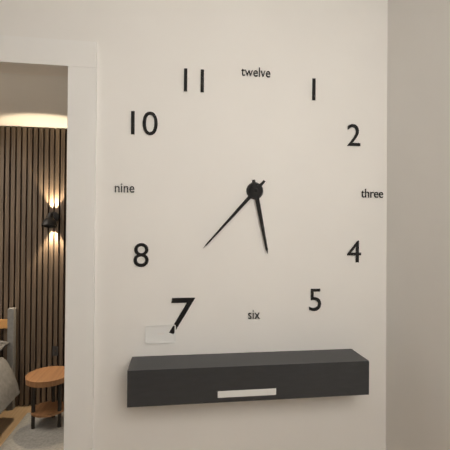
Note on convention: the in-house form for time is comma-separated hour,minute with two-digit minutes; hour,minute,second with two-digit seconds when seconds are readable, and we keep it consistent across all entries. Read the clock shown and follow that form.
5,37
